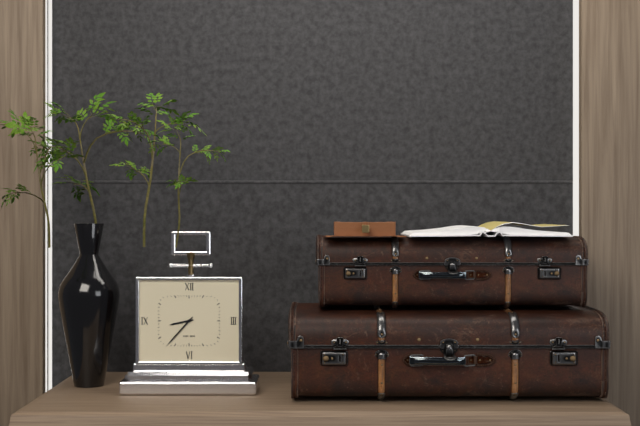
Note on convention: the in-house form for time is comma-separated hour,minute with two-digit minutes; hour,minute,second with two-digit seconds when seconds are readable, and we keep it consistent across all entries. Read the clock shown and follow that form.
8,37
